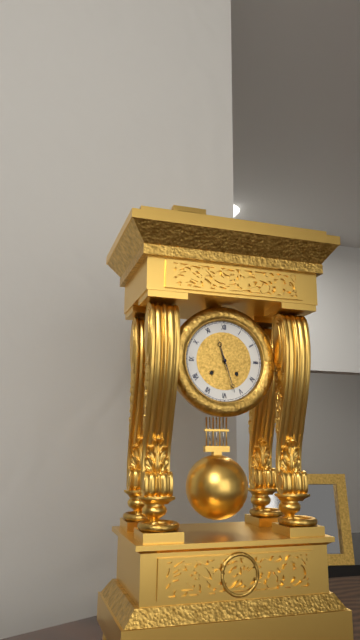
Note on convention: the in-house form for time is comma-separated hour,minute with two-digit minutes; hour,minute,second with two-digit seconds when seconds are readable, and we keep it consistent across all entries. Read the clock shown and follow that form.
11,27
